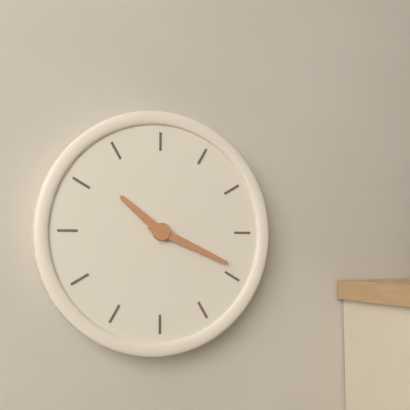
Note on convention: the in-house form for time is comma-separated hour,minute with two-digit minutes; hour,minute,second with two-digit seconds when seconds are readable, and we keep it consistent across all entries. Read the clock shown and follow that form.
10,19
